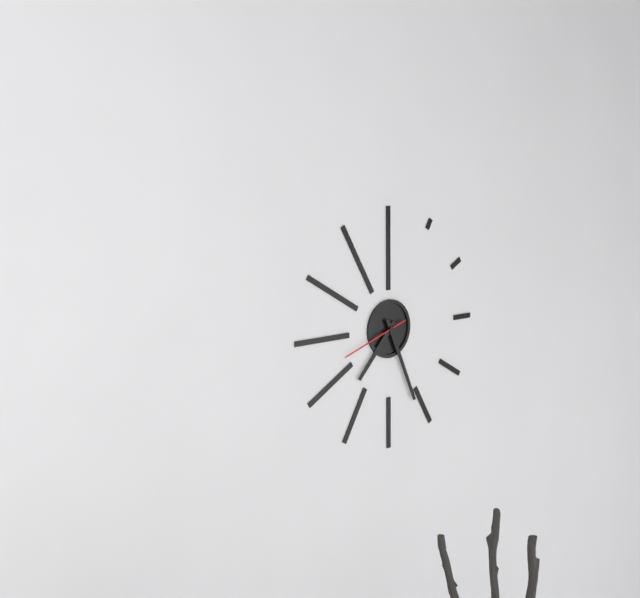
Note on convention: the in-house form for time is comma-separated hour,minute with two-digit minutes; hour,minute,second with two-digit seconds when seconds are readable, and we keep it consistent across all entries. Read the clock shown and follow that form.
7,26,42
